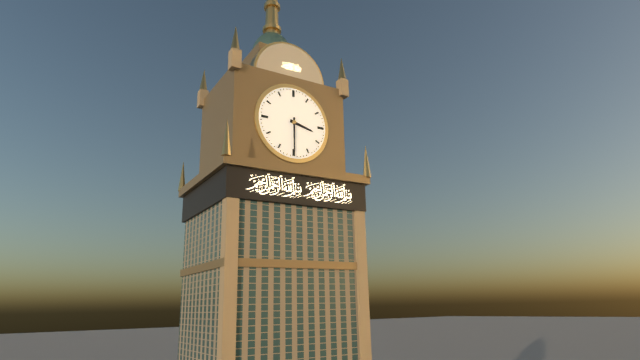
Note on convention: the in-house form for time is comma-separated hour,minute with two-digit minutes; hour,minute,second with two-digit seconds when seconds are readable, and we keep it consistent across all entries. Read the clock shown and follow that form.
3,30
